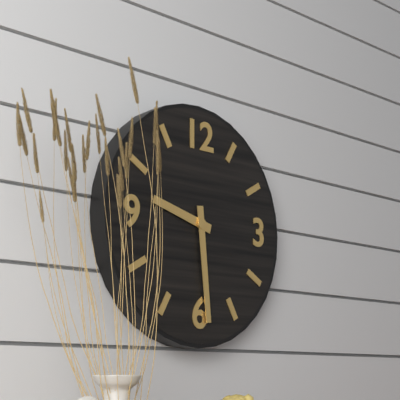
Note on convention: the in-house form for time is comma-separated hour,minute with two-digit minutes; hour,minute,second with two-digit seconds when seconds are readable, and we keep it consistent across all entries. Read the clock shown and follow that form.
9,29
